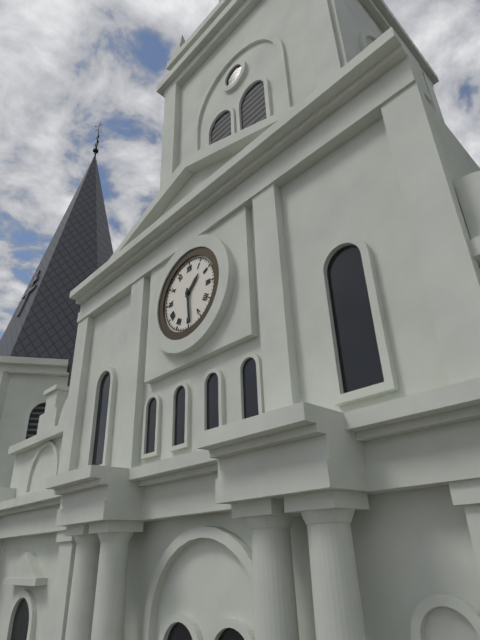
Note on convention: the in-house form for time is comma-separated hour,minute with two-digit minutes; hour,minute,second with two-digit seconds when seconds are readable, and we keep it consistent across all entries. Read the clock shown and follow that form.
1,29
